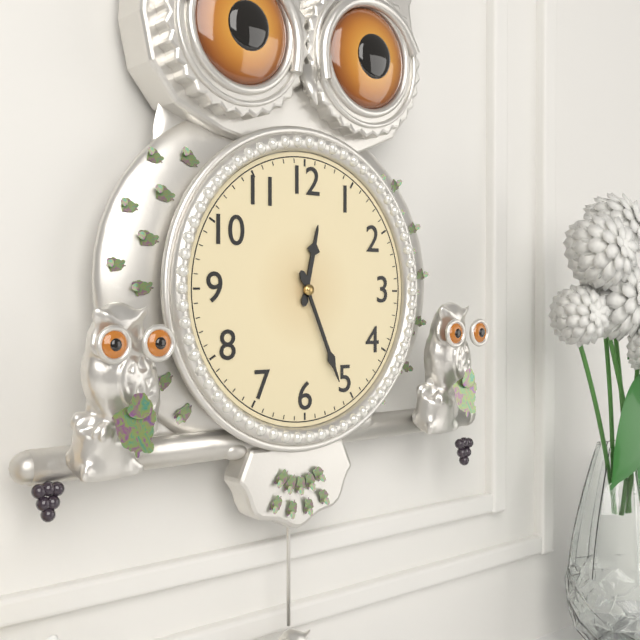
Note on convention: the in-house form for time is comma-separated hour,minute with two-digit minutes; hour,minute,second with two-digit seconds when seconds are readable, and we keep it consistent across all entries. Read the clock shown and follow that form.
12,26
